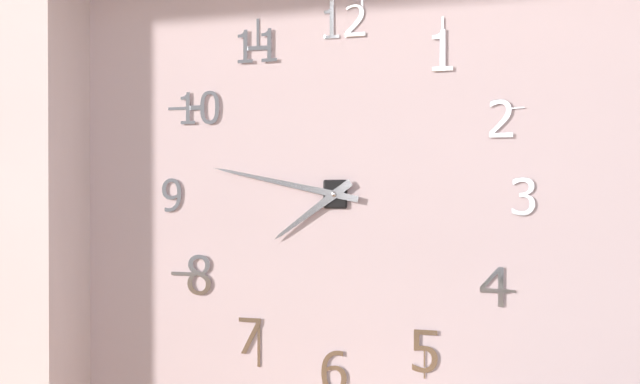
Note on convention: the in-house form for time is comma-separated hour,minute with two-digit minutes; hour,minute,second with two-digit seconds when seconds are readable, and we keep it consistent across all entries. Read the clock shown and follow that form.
7,47
